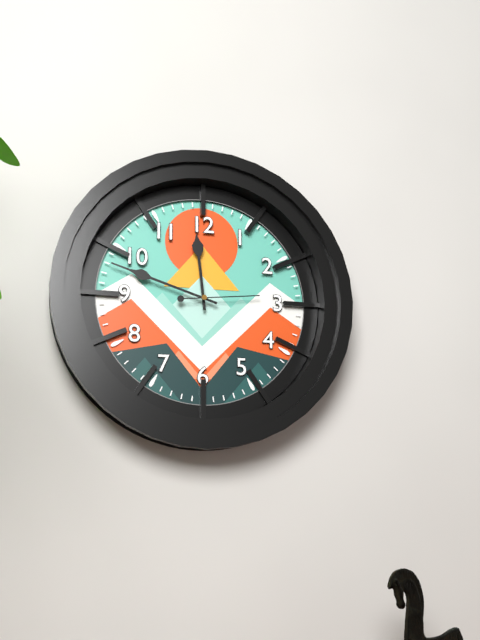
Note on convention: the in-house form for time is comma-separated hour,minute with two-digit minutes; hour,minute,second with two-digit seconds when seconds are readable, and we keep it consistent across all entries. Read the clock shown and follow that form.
11,48,14
